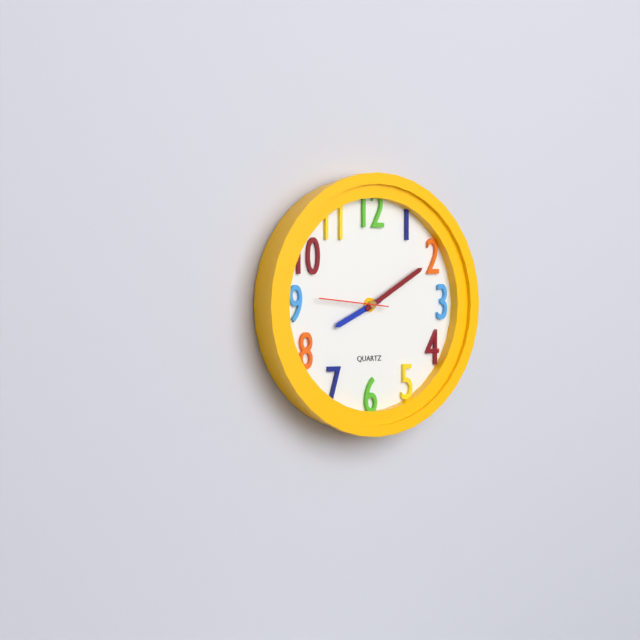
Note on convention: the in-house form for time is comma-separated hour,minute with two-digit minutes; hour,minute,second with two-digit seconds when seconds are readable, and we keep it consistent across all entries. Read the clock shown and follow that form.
8,10,46
